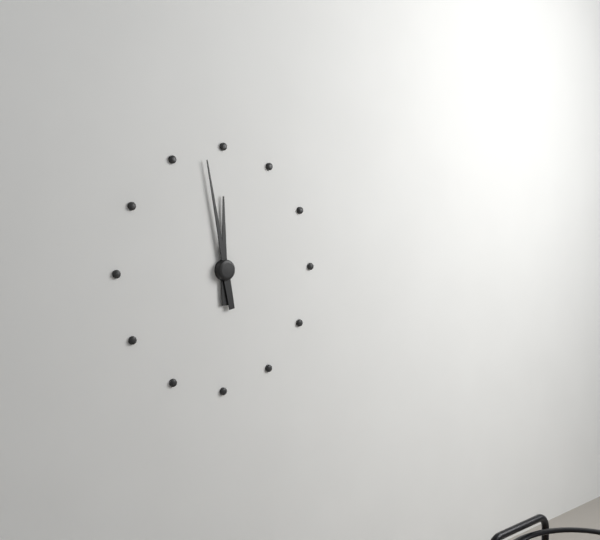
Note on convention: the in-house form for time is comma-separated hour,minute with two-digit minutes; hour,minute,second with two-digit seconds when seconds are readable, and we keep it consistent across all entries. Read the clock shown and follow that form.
11,58
